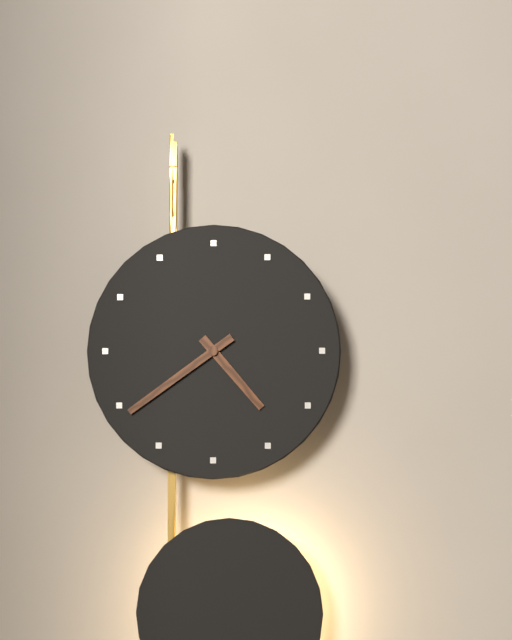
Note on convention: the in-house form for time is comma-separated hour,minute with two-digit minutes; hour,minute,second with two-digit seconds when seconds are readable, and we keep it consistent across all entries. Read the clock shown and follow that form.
4,39
